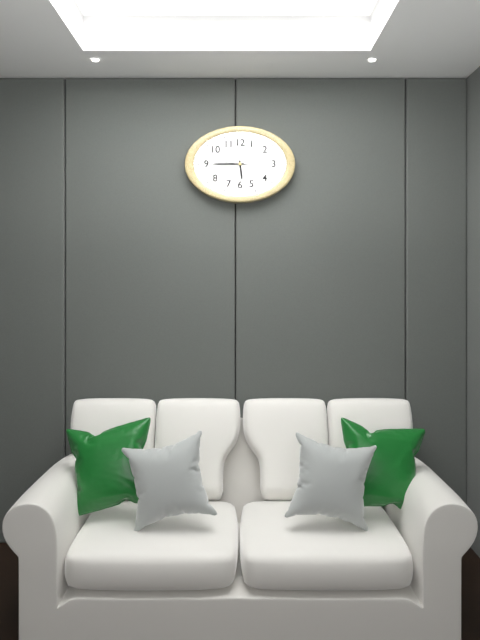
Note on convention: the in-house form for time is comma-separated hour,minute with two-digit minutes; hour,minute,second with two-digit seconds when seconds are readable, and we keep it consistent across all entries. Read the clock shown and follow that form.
5,45
